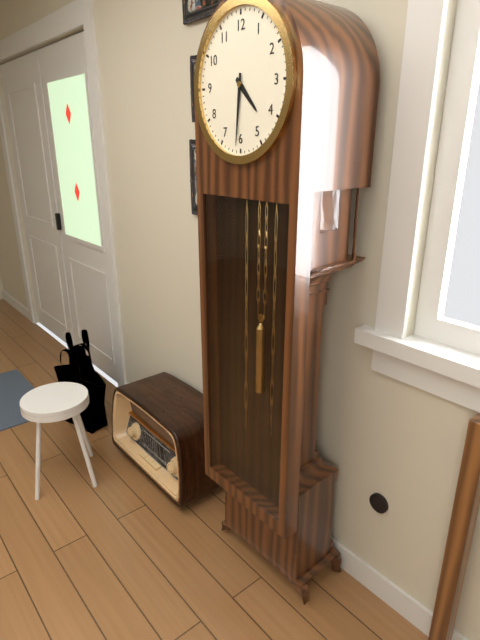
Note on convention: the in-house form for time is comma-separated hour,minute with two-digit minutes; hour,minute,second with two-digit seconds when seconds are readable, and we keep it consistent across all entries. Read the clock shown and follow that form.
4,31
